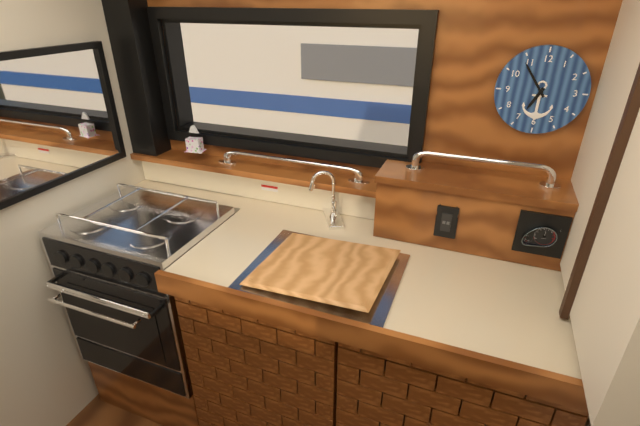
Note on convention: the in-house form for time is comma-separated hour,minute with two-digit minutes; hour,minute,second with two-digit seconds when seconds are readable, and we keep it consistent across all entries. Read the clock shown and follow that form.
6,54
